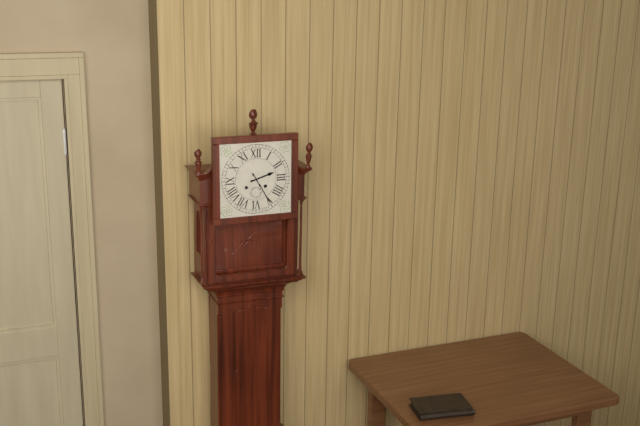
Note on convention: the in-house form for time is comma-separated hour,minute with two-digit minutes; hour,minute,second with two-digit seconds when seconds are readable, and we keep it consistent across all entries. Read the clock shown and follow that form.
2,25
